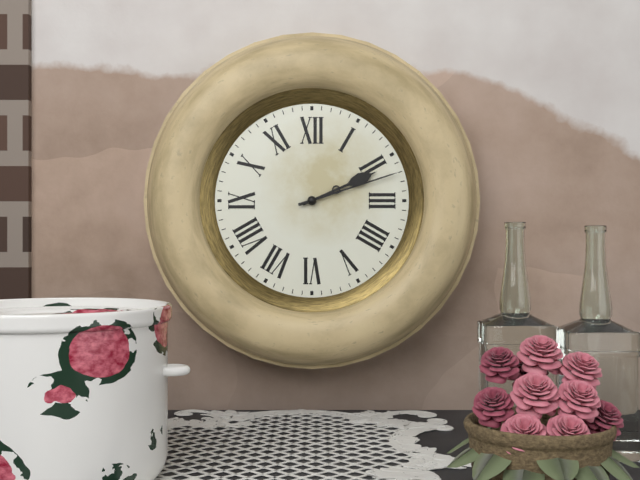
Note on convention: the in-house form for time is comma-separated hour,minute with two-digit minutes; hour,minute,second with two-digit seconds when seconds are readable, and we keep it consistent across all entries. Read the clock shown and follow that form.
2,12
